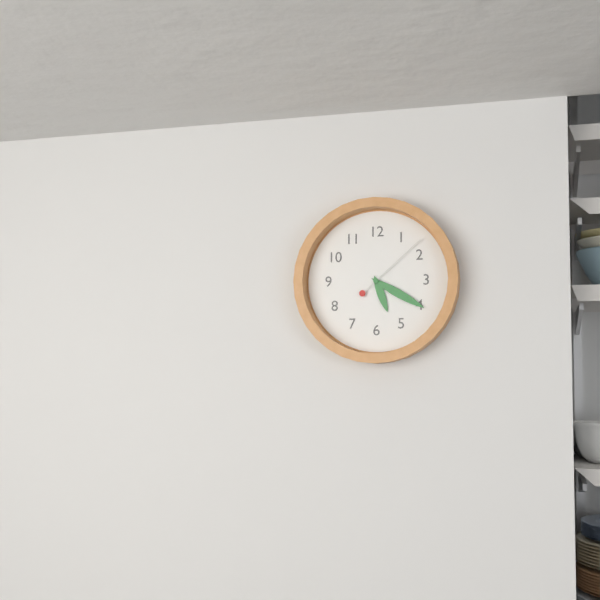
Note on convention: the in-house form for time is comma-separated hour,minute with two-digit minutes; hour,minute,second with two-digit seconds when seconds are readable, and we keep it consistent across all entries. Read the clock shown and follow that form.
5,20,08
